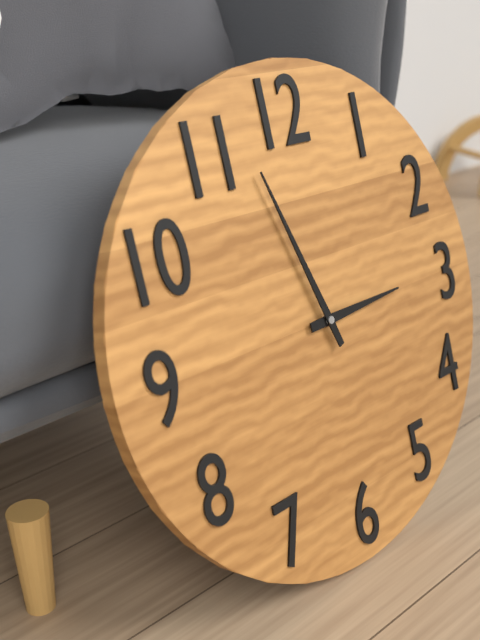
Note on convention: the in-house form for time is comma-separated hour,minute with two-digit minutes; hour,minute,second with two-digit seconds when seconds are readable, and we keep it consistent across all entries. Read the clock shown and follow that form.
2,57
